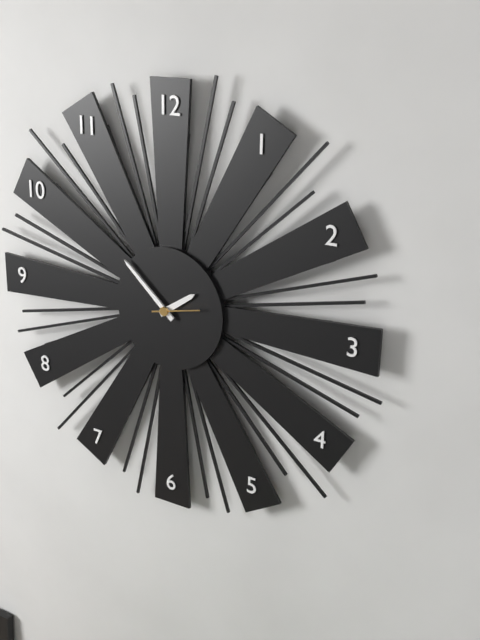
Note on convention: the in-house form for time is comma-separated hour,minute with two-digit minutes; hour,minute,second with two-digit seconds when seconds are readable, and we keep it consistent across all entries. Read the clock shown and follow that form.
1,52
